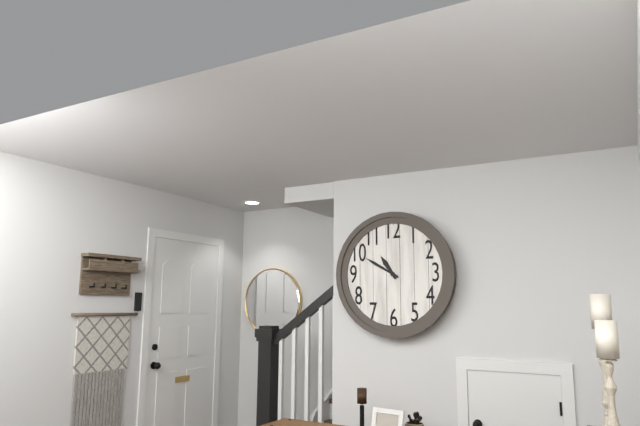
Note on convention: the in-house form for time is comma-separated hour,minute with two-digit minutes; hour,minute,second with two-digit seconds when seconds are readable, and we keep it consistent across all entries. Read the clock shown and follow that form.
10,50
